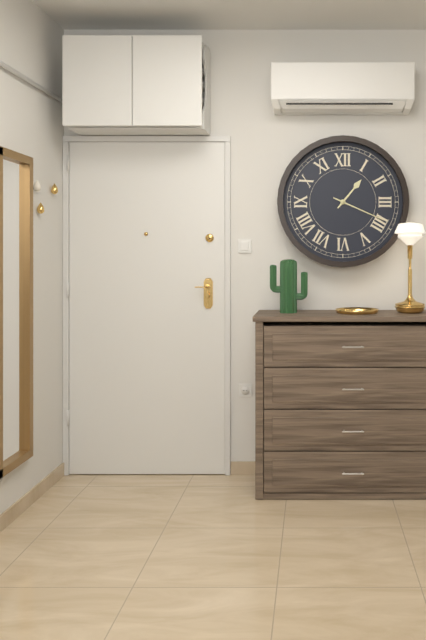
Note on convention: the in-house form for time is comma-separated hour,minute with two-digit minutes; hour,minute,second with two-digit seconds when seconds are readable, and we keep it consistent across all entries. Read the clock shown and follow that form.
1,19
